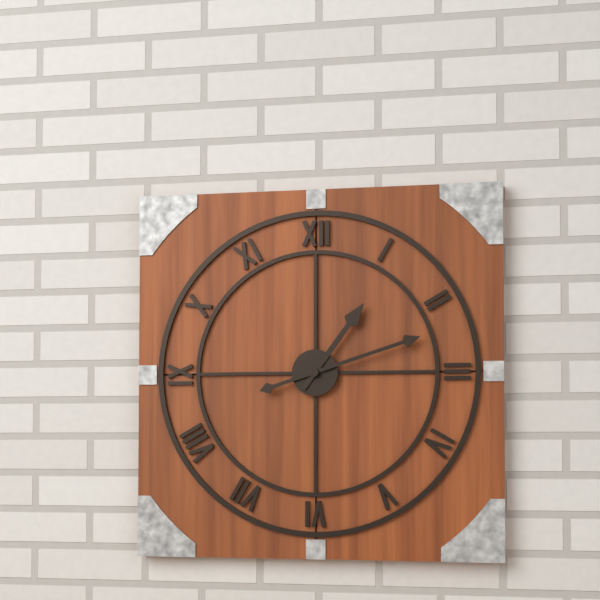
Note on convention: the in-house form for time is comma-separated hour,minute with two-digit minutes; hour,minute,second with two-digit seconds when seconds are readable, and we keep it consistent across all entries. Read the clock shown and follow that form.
1,12
